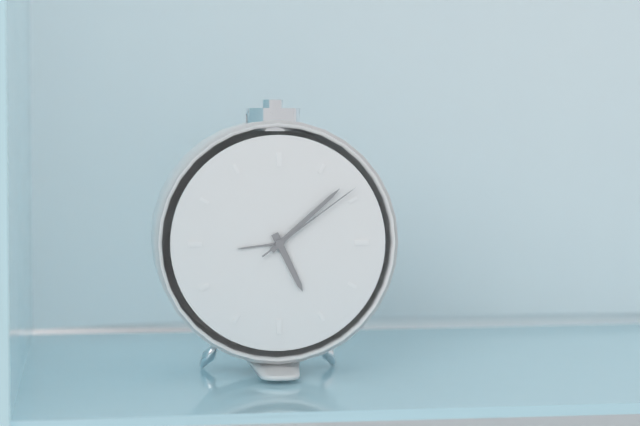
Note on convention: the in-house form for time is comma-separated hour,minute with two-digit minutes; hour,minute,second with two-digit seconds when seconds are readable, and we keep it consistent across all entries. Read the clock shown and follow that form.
5,08,09
